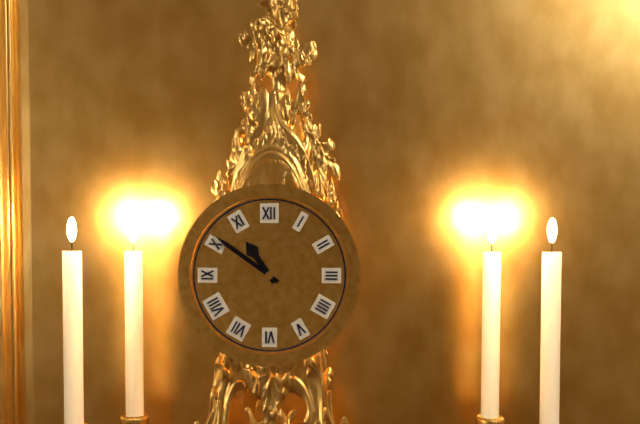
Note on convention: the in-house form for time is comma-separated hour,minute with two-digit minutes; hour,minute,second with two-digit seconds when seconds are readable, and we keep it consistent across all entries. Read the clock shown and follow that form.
10,51
